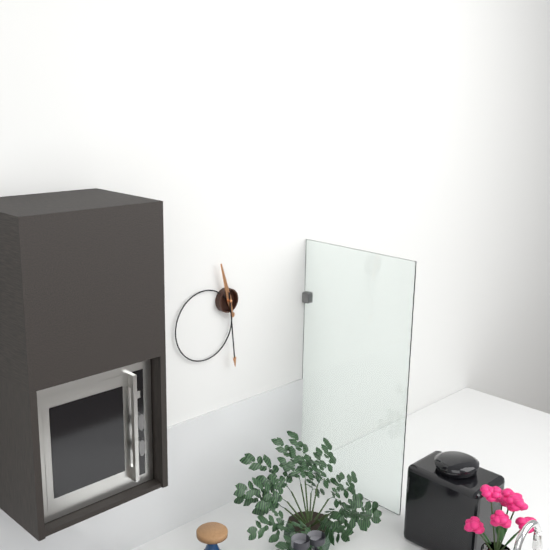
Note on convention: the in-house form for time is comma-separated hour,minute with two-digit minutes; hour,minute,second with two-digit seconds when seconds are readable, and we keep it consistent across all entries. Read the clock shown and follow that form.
11,29
